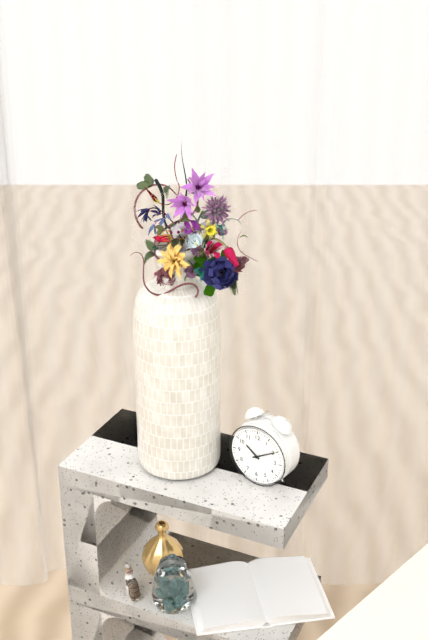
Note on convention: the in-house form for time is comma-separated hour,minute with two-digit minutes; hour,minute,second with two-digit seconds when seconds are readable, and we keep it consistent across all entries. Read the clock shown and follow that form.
10,10
